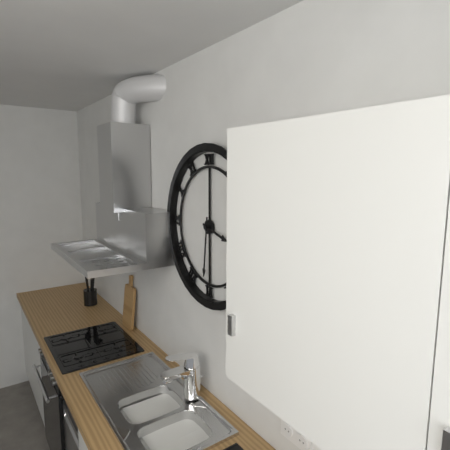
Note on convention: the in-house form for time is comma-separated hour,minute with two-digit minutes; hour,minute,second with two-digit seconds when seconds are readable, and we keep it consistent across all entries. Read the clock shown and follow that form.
3,31
